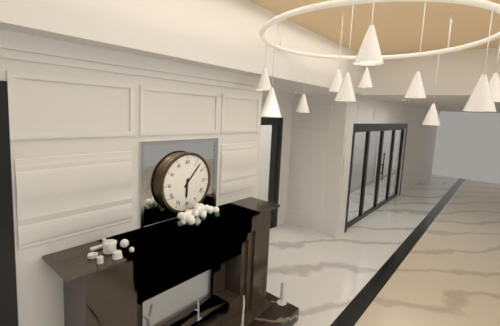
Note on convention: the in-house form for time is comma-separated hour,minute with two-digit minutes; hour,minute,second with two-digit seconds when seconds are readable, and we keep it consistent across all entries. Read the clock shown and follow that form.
6,07
